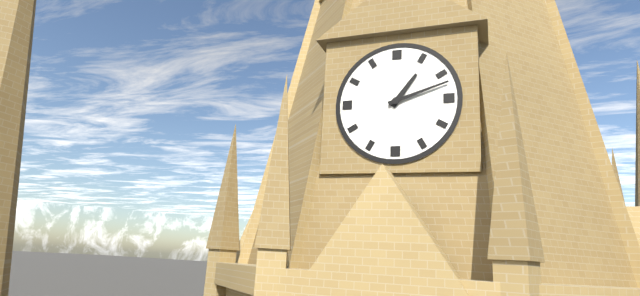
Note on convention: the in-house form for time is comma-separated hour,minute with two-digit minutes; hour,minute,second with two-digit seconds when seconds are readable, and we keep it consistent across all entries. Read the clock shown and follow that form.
1,12
